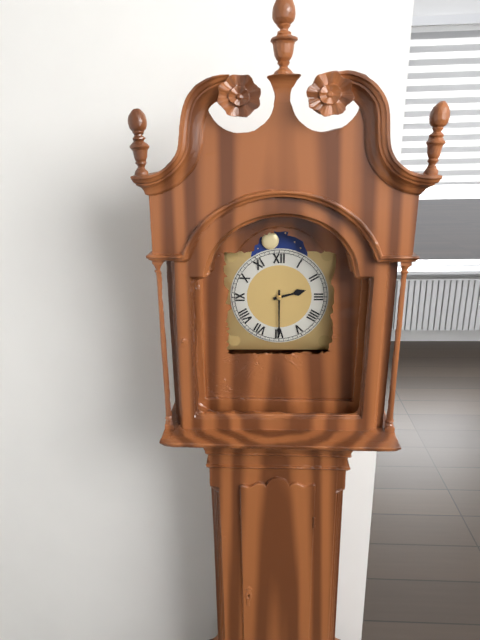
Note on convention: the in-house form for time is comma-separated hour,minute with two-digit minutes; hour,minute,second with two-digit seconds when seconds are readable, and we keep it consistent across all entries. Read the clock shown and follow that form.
2,30
